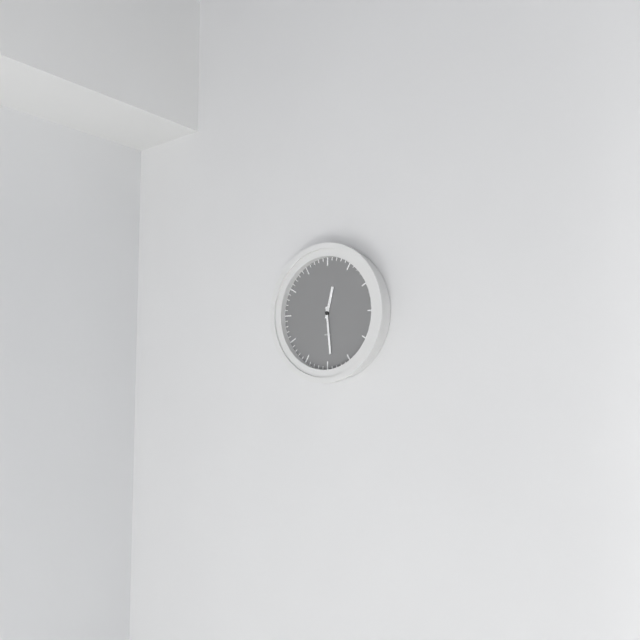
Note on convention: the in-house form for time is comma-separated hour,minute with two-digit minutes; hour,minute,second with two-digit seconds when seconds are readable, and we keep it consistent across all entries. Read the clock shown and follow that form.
12,29
